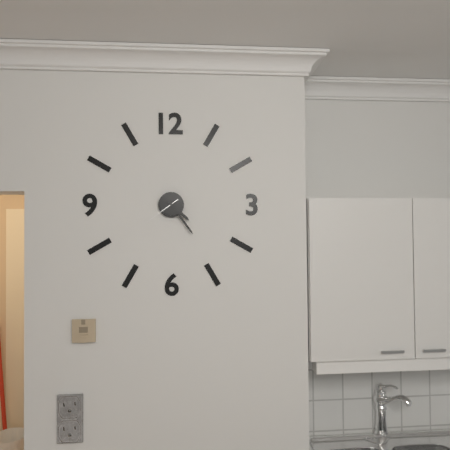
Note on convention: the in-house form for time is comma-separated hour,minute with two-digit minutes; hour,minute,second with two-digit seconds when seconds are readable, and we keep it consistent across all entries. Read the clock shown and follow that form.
4,24
